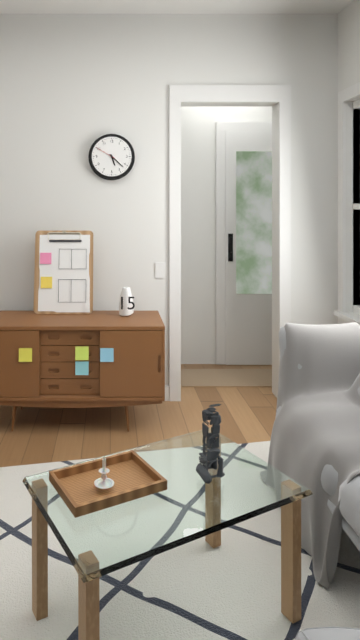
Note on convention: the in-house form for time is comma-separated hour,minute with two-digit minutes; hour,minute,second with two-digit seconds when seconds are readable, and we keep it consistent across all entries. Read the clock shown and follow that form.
5,22
